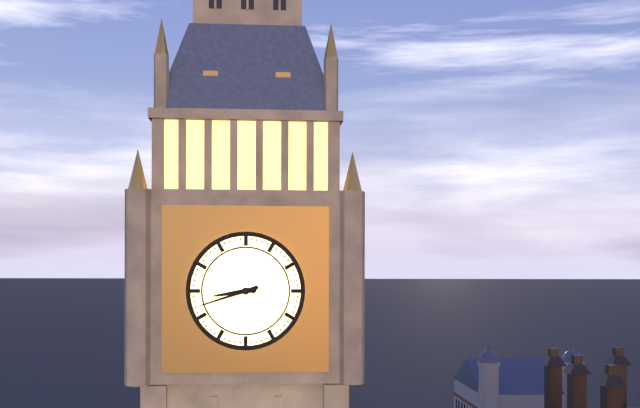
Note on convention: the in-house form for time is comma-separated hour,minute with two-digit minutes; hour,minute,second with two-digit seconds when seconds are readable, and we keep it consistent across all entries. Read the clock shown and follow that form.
8,42
